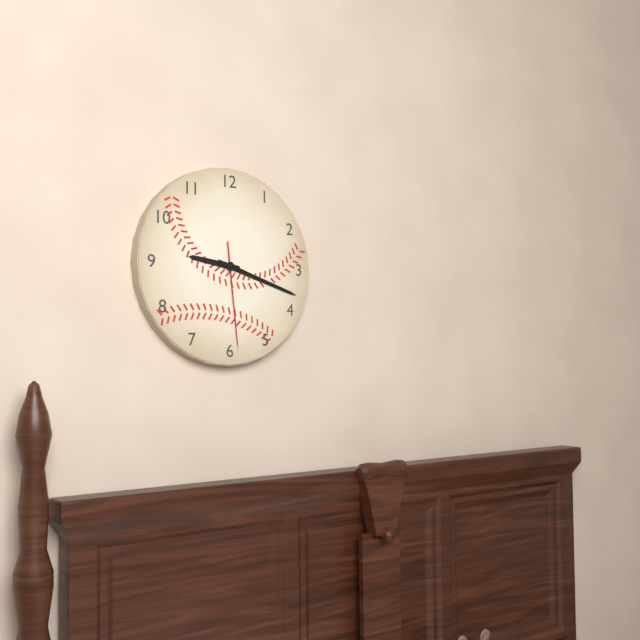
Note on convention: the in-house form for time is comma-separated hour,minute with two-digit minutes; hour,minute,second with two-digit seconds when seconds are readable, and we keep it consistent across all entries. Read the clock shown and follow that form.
9,18,29
